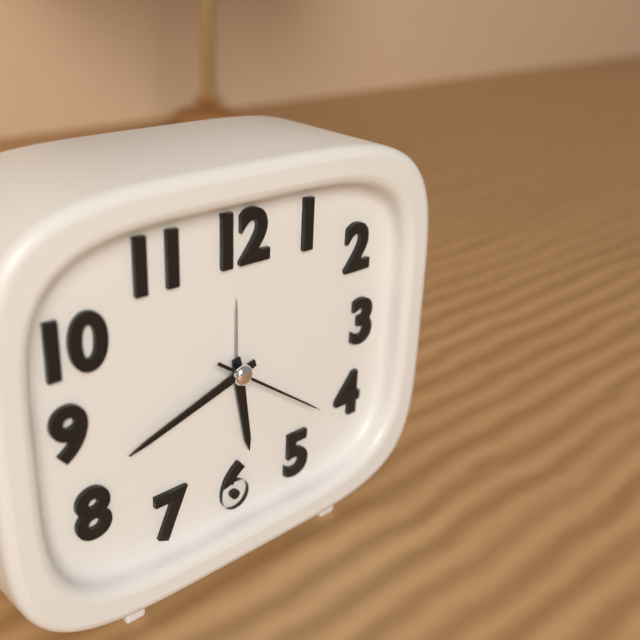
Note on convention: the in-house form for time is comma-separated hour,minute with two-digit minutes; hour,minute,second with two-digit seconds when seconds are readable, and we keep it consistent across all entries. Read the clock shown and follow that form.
5,42,21
